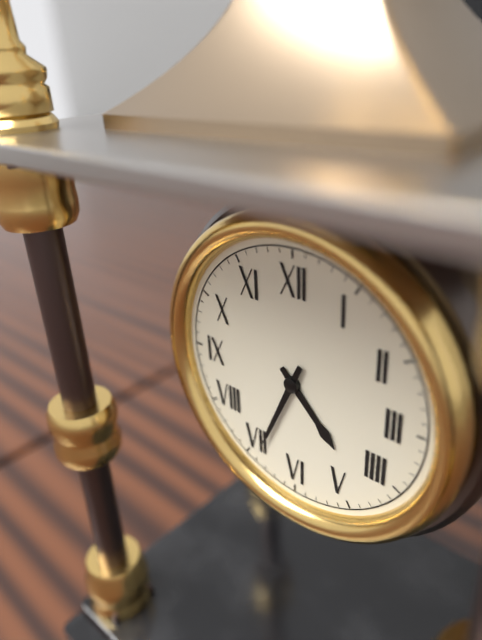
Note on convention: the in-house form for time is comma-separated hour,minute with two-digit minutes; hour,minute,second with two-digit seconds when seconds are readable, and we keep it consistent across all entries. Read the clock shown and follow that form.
4,34
